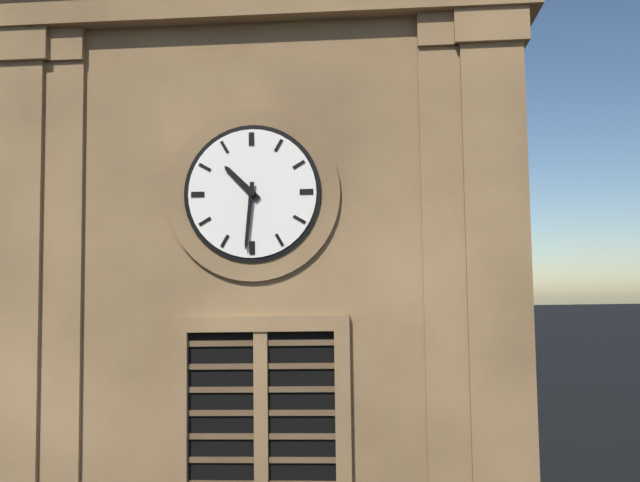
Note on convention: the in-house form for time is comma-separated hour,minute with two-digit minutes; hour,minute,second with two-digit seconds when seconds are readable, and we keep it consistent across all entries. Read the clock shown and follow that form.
10,31
